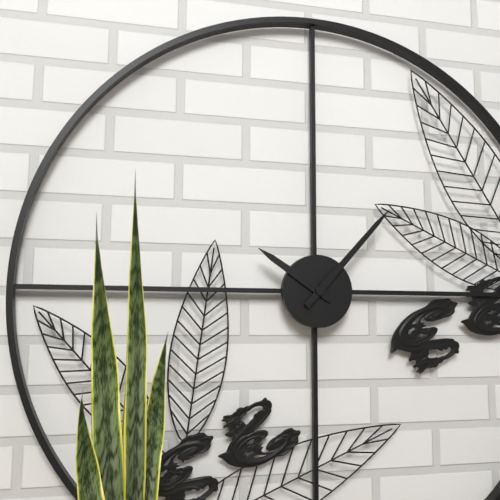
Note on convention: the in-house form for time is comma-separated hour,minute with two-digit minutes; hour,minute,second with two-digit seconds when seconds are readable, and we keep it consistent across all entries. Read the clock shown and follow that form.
10,07
